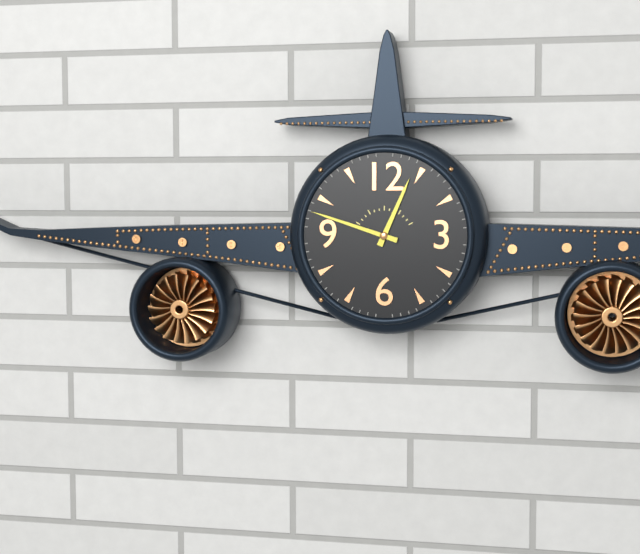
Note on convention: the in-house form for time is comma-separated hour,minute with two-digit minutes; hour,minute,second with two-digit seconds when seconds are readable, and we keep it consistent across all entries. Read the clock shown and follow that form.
12,48
